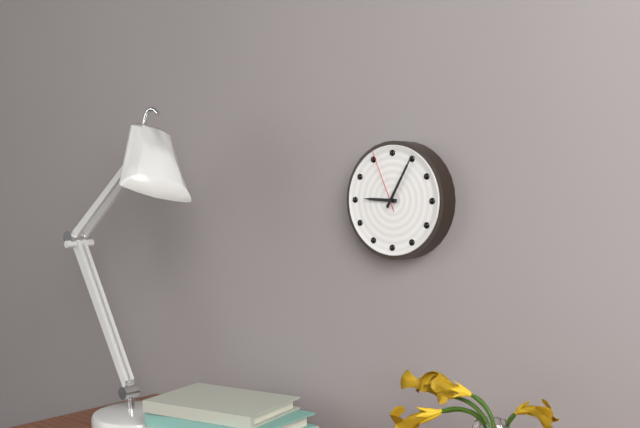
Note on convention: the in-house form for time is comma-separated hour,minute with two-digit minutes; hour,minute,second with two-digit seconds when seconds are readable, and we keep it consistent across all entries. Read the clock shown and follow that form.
9,05,56
